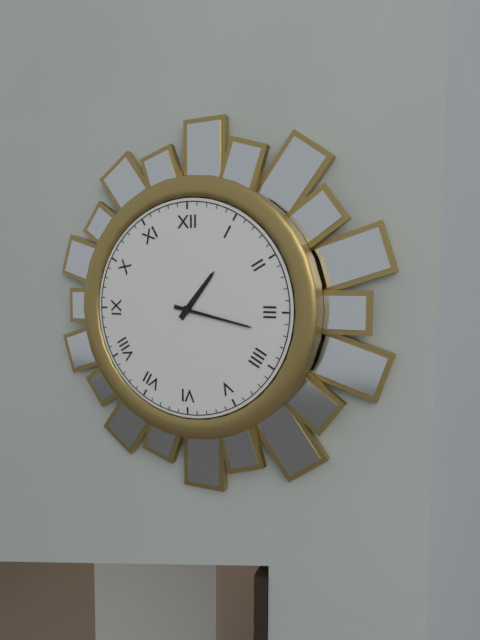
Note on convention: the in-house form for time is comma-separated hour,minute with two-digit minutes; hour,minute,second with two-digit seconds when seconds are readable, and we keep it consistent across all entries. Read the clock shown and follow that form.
1,17
